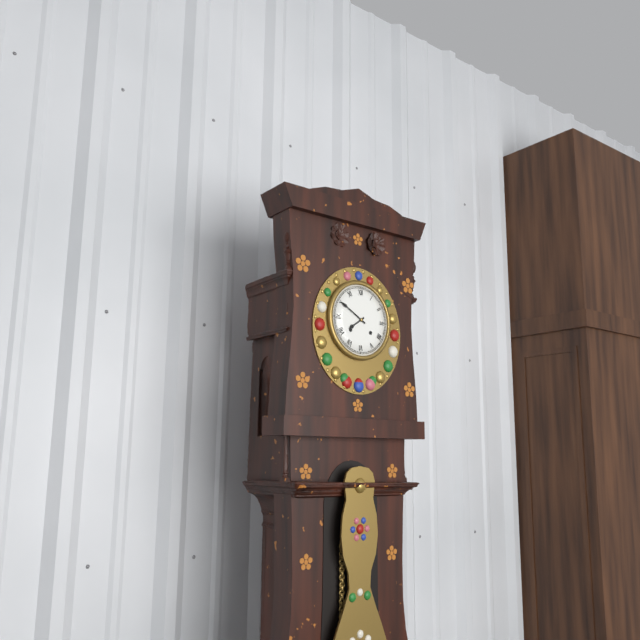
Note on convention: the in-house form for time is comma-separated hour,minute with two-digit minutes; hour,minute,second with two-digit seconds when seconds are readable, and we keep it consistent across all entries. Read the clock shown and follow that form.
7,50
